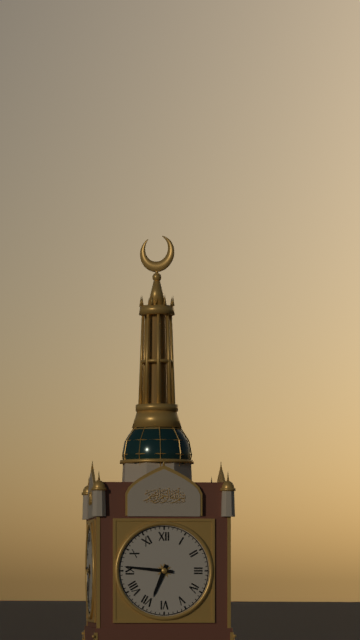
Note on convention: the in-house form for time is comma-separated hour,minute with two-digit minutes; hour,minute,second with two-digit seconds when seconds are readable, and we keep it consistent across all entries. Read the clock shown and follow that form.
6,46
